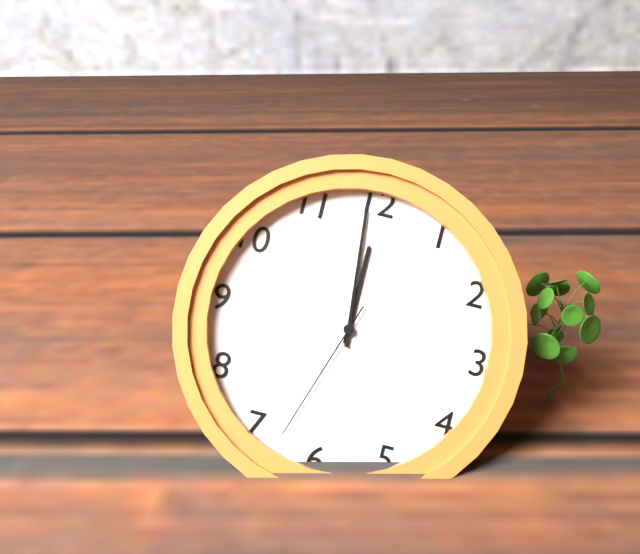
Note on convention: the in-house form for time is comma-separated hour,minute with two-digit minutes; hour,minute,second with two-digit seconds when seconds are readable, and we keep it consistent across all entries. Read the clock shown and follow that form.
11,59,33
